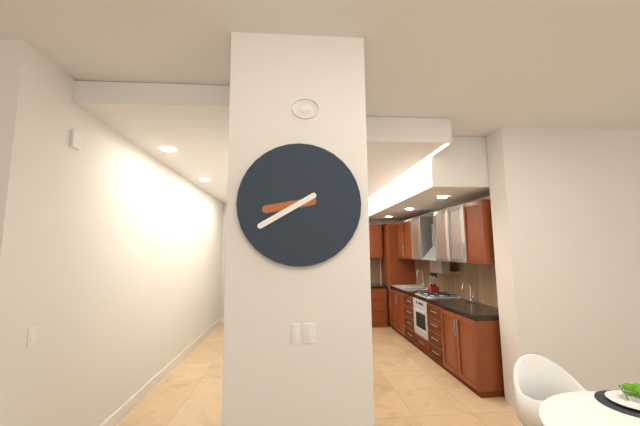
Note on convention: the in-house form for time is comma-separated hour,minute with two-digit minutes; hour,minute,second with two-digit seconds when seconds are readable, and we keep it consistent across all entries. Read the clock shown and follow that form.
8,40
